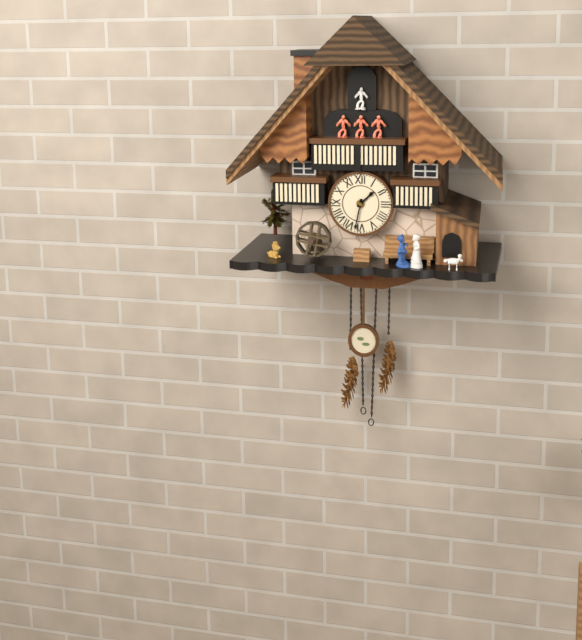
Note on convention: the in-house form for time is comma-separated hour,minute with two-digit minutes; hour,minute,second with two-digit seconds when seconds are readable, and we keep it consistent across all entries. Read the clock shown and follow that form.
1,32
